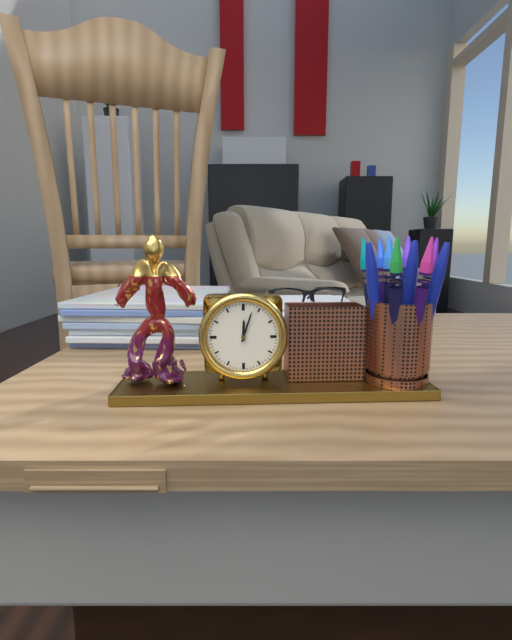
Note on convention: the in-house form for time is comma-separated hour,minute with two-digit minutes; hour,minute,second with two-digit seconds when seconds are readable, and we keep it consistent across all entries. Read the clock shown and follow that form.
12,03
